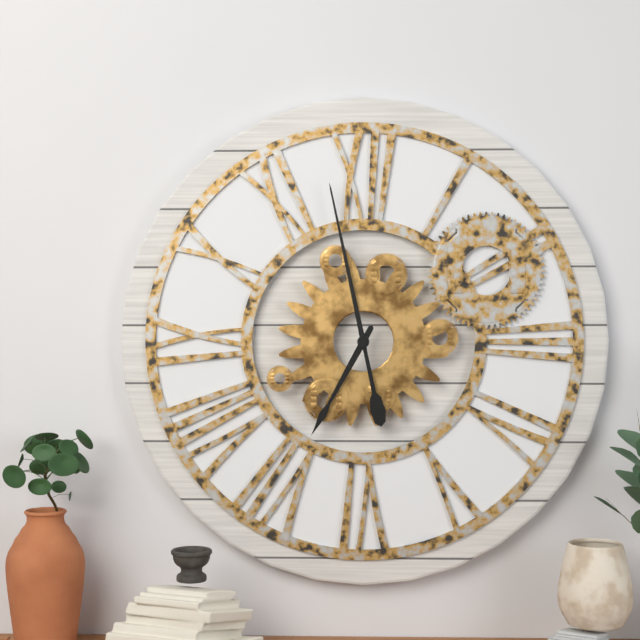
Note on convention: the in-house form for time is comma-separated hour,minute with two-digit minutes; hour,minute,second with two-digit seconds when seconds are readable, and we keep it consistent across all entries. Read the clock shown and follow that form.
6,58
